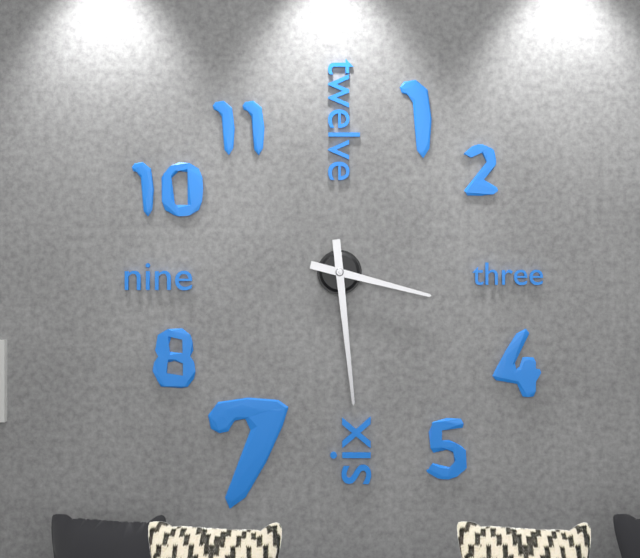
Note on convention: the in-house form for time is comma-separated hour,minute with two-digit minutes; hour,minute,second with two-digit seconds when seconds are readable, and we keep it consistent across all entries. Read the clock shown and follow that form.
3,29
